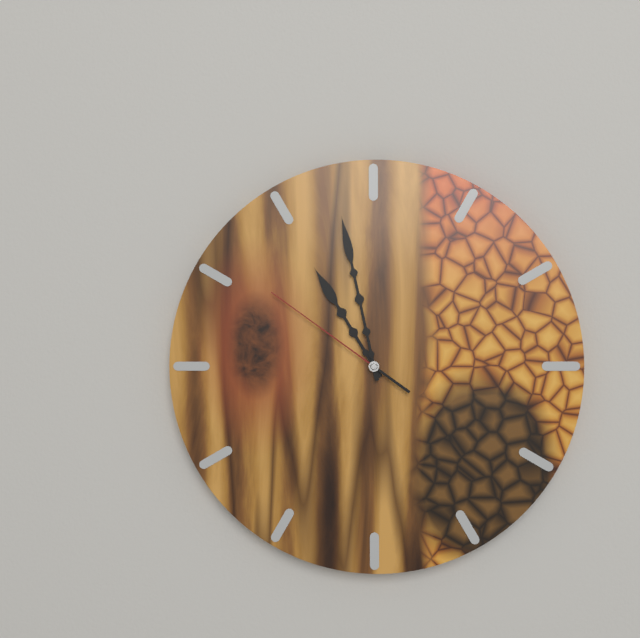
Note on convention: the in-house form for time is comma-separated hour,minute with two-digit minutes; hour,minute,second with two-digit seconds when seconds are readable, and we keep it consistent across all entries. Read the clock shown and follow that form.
10,58,51
